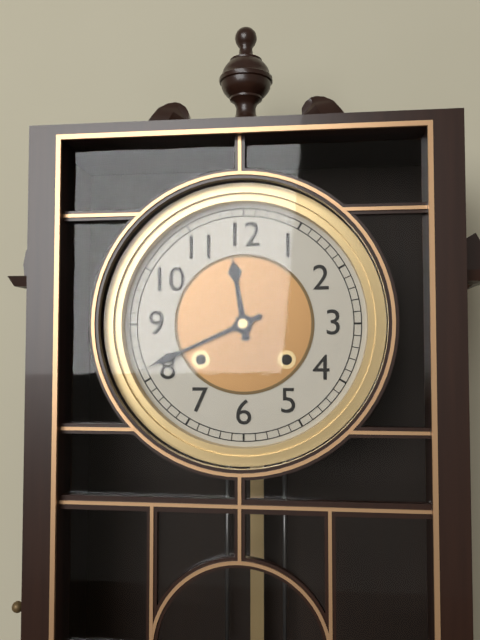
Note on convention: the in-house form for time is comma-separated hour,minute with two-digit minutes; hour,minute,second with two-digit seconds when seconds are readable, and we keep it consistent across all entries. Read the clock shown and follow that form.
11,41
